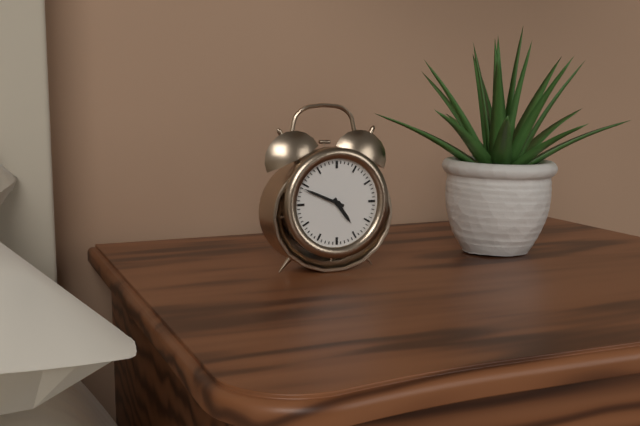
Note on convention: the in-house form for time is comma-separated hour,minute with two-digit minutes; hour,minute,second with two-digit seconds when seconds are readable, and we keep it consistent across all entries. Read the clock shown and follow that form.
4,49
